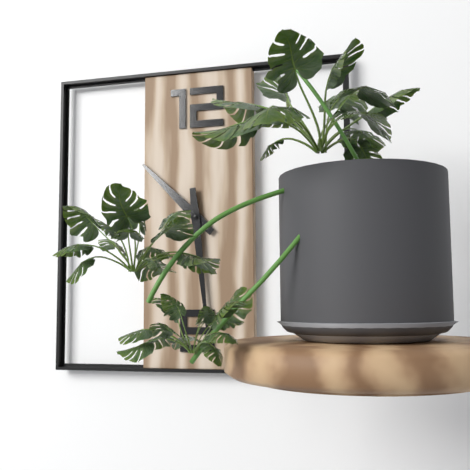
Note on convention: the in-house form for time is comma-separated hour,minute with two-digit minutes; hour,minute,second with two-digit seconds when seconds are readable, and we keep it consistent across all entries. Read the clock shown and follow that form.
10,29
